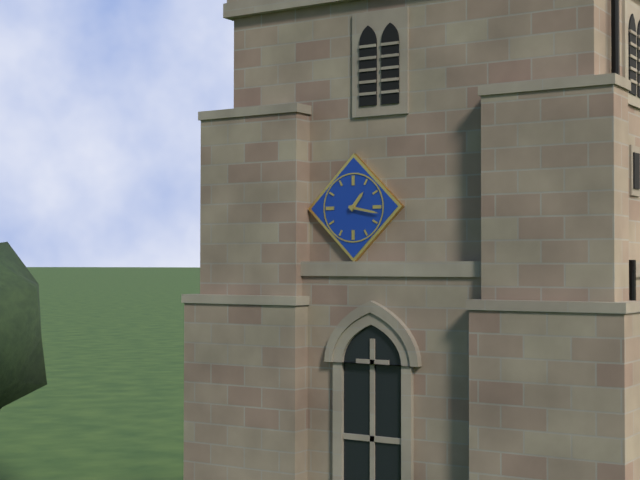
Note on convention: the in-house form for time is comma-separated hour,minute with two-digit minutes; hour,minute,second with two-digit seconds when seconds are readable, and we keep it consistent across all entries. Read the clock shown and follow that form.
1,17
